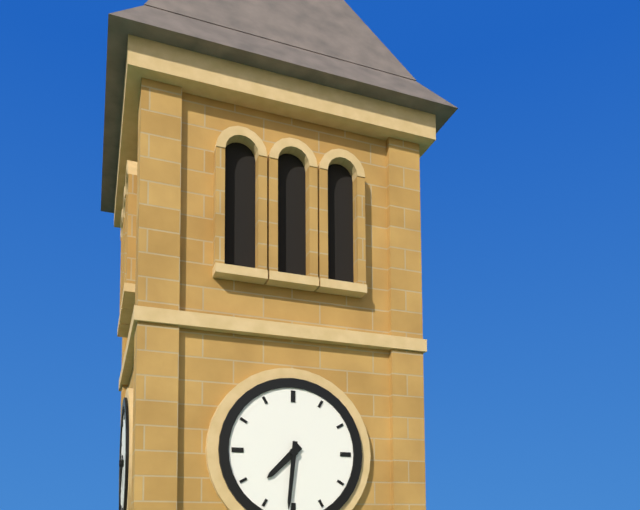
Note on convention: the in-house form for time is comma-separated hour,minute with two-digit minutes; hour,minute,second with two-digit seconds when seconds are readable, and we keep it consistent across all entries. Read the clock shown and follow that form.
7,31
